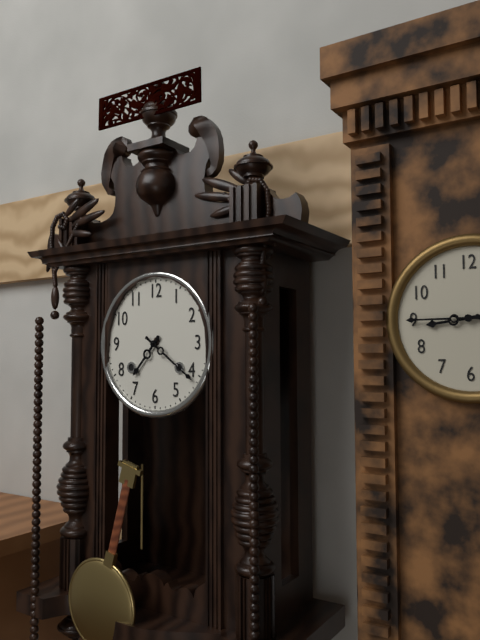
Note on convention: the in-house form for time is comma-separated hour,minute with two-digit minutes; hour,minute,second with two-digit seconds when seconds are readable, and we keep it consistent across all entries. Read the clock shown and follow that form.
7,21
